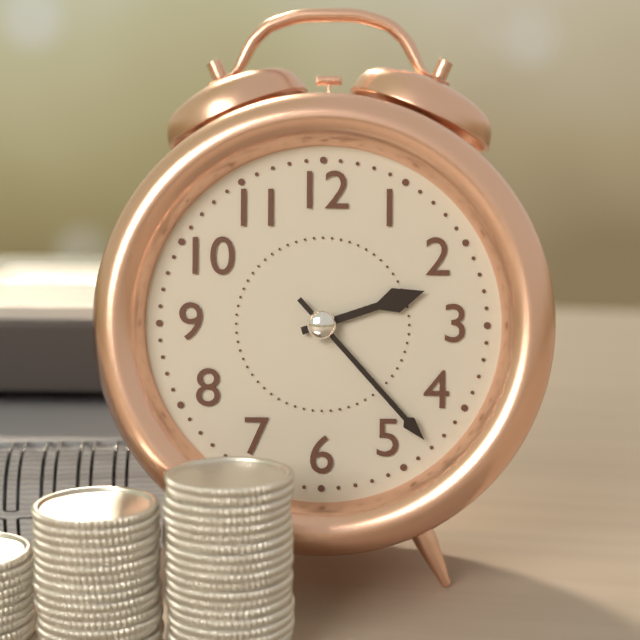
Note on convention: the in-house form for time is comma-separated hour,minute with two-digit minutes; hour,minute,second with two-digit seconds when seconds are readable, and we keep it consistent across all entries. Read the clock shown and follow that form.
2,23
